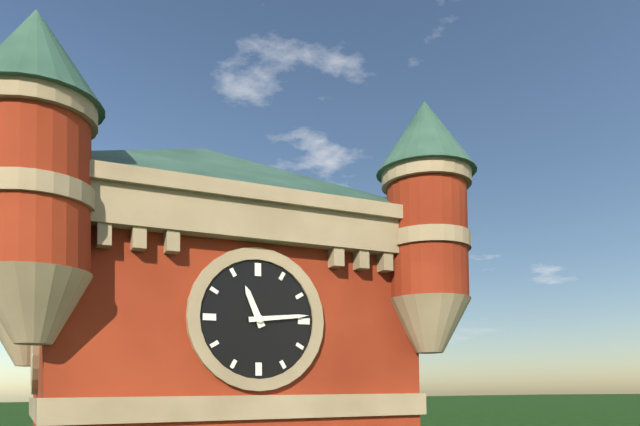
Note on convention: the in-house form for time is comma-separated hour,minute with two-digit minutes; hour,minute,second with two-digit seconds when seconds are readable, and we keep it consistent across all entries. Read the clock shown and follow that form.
11,14
